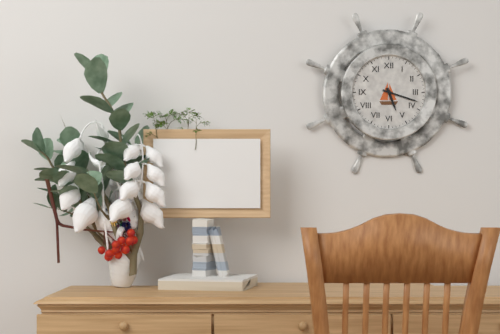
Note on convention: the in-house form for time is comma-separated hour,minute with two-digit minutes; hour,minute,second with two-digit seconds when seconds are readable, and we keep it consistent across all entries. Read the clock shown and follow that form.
5,18
